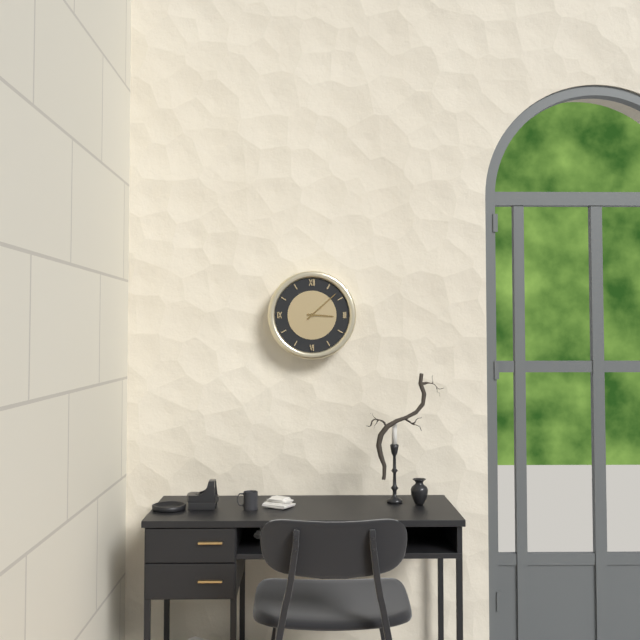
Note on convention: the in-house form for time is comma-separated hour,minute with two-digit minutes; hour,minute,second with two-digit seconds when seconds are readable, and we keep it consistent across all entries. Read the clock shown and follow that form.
3,08
